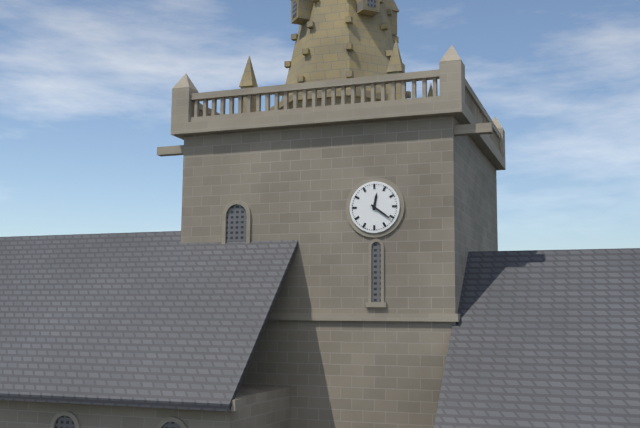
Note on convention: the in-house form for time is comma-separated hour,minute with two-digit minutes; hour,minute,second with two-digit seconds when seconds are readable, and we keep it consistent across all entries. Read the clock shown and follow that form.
12,21
